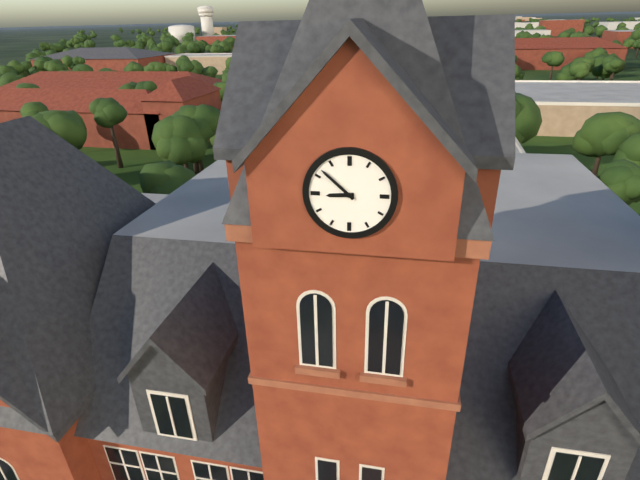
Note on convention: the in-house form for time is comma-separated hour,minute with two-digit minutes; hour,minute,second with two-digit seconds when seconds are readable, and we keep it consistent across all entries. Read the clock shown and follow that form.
8,52
